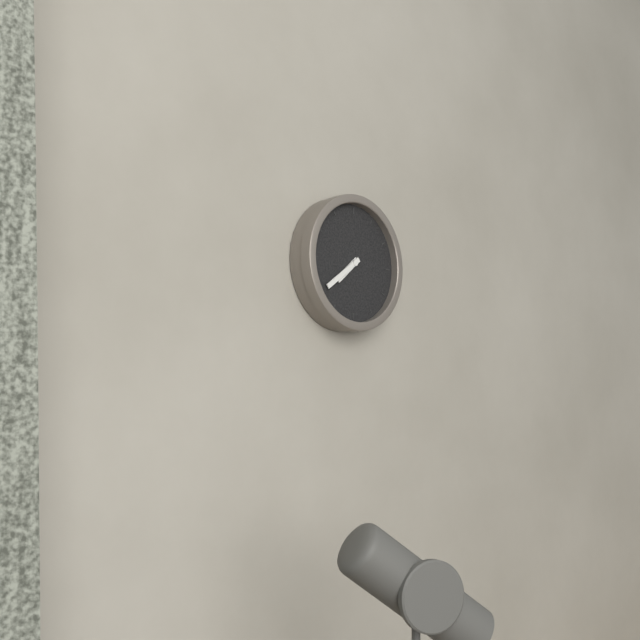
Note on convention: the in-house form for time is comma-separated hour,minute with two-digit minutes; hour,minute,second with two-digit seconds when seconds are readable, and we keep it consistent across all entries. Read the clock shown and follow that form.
7,39
